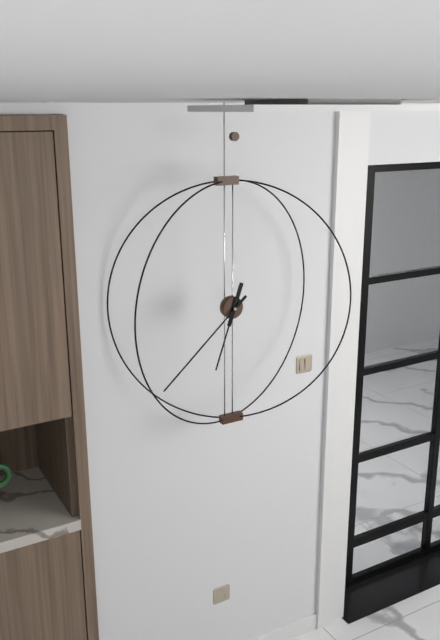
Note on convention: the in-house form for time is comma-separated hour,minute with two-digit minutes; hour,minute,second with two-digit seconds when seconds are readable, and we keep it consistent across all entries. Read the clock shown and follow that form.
6,38
